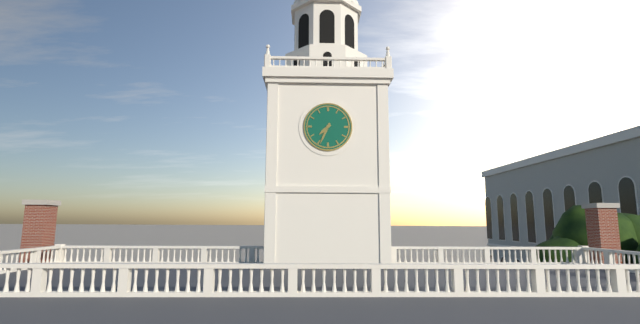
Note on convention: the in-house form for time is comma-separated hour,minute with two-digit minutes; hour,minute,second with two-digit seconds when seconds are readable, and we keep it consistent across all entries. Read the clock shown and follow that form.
7,34
